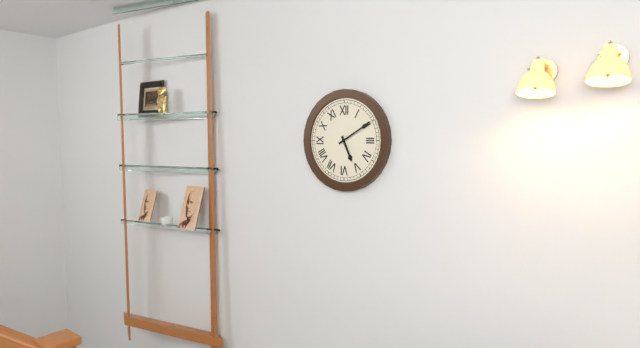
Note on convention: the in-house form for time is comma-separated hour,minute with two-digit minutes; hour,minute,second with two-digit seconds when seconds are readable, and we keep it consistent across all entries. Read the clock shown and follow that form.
5,10
